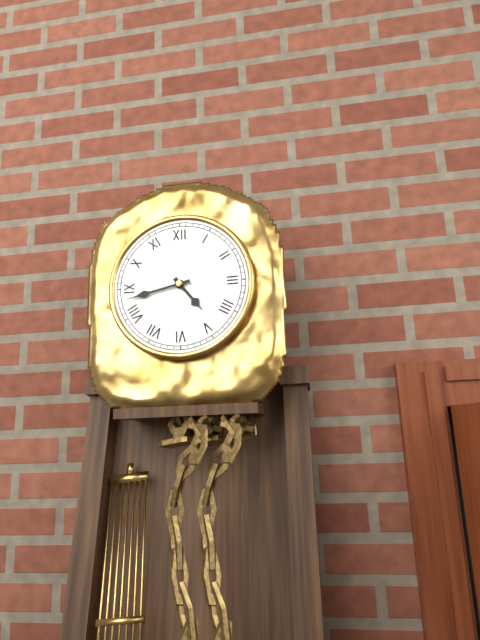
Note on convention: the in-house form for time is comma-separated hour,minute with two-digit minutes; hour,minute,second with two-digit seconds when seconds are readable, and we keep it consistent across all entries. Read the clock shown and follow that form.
4,43
